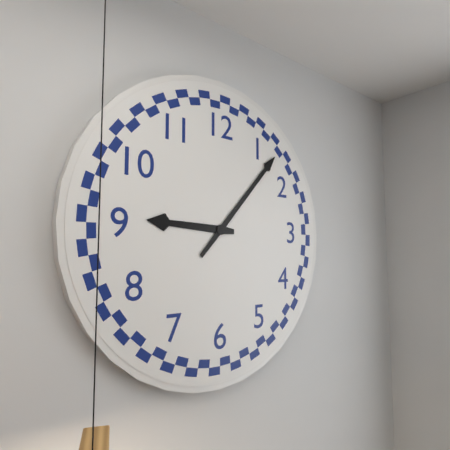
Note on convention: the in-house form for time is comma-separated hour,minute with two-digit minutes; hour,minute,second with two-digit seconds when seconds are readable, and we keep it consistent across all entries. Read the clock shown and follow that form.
9,07
